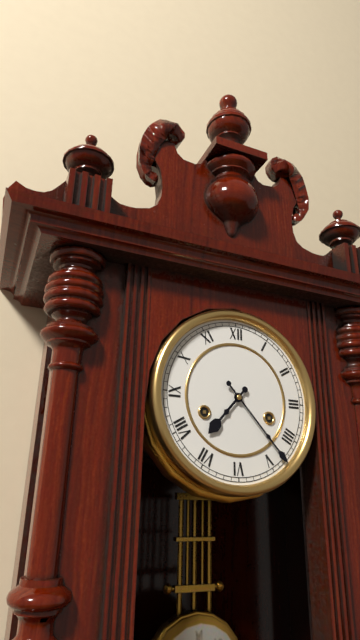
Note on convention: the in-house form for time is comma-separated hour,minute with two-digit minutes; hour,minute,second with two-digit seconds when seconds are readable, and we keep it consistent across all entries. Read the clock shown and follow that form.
7,23
